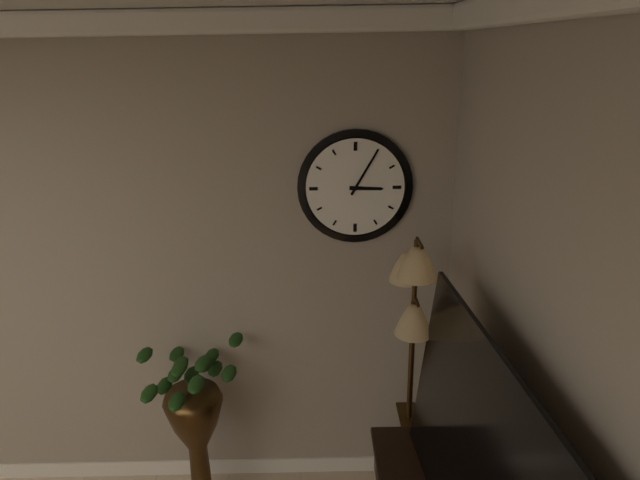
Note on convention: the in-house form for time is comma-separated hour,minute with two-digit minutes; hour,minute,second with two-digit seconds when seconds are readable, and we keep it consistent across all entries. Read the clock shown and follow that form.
3,05
